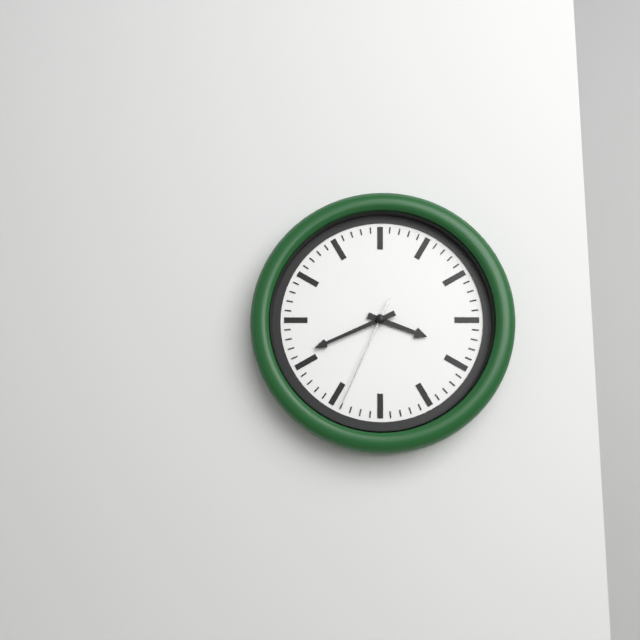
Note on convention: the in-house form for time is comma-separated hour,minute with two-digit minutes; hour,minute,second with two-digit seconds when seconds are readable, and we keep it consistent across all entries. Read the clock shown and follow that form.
3,41,34
